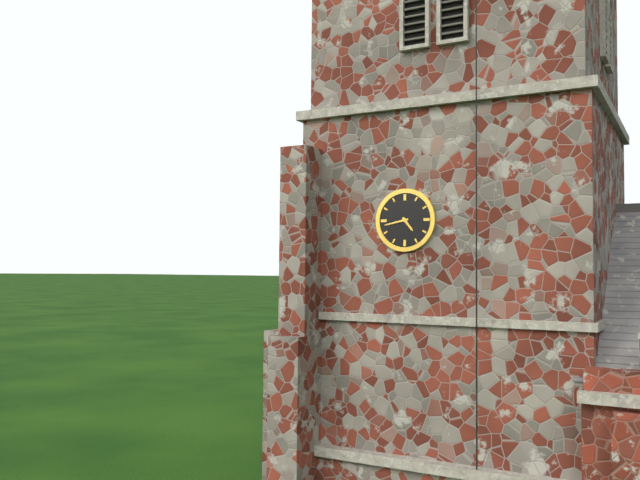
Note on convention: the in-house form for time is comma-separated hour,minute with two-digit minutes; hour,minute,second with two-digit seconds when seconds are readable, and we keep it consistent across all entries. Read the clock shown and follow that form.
4,43
